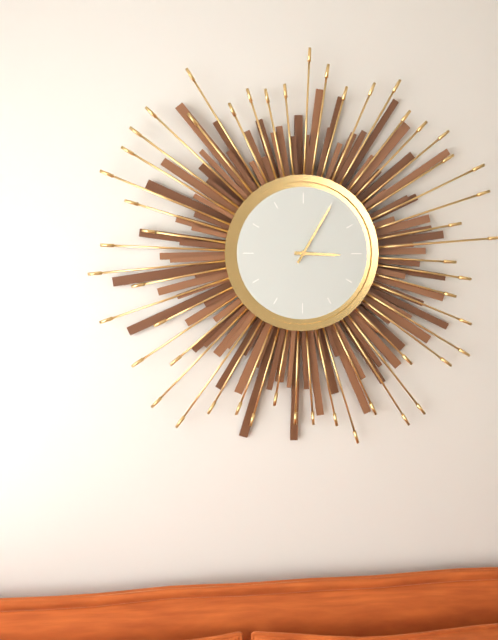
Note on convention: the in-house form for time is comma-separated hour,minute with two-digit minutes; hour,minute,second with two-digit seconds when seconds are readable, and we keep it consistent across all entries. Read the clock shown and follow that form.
3,05
